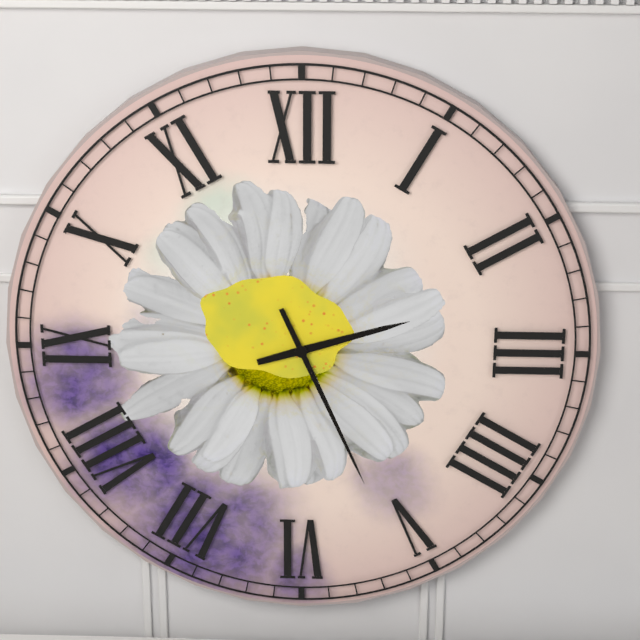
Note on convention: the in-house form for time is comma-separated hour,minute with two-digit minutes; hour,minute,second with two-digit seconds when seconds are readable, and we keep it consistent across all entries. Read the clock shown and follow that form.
2,26
